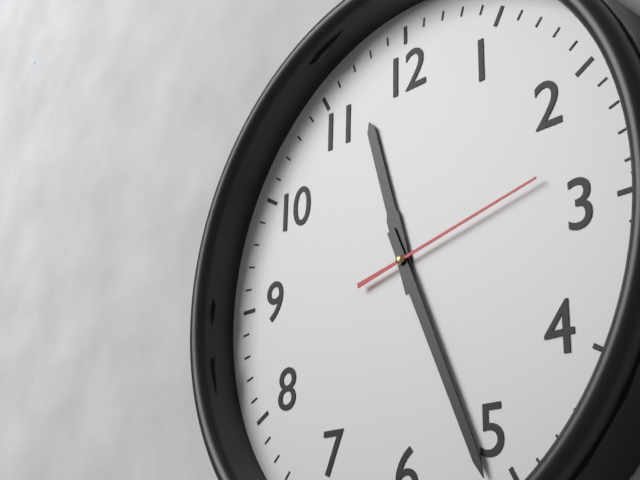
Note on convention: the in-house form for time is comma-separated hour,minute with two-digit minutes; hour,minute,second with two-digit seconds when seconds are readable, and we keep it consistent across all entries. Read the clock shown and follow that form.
11,26,13
